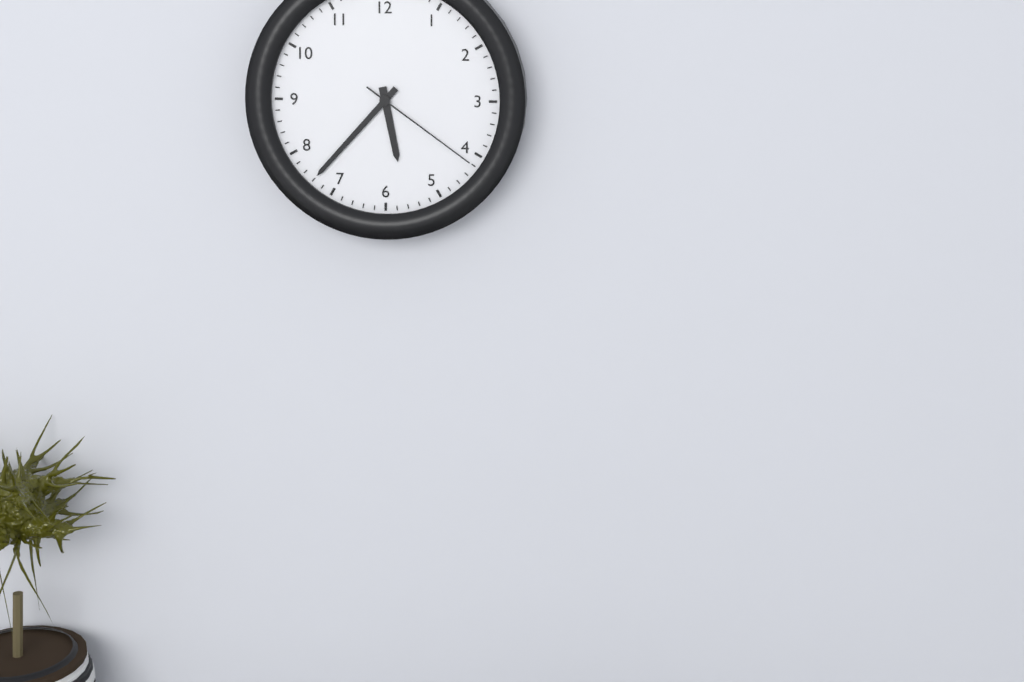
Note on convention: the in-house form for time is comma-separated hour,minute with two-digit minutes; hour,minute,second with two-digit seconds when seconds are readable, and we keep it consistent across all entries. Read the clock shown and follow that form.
5,37,21
